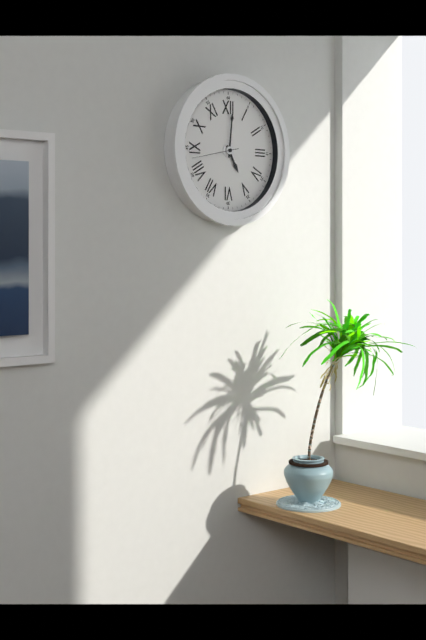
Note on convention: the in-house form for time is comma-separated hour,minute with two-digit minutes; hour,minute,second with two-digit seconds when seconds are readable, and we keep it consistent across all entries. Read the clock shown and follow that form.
5,01
